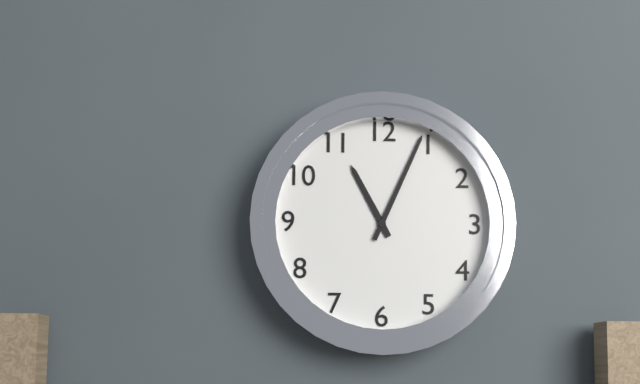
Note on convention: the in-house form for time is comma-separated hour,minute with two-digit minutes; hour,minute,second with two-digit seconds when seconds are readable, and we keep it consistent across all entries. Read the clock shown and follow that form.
11,04
